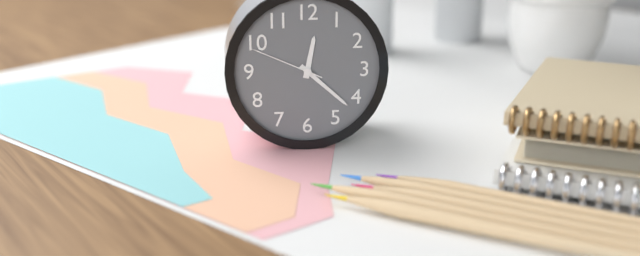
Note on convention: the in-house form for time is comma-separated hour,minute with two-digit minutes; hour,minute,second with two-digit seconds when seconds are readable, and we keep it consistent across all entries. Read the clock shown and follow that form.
12,22,49
